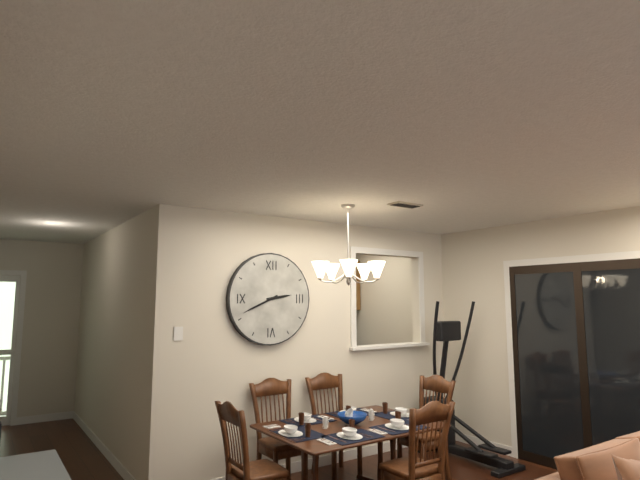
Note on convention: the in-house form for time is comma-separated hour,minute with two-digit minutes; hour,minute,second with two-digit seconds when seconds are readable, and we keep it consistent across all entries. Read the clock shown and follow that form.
2,41
